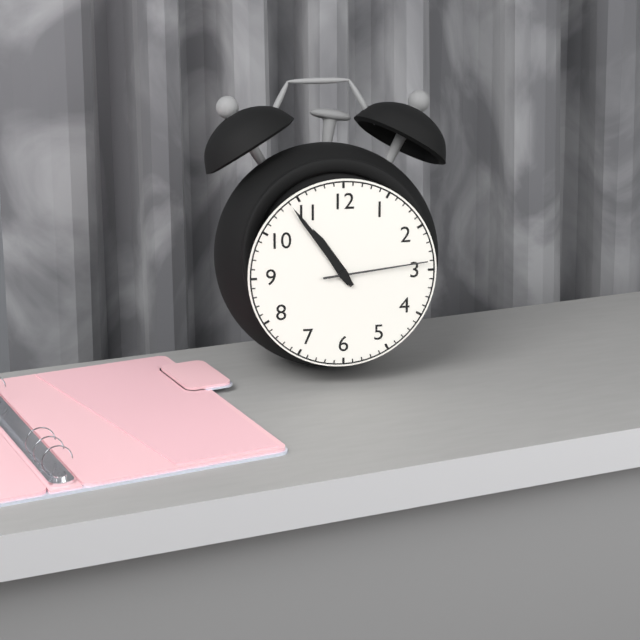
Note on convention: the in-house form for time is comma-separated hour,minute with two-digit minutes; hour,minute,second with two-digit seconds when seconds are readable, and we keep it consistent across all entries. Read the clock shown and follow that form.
10,54,14
